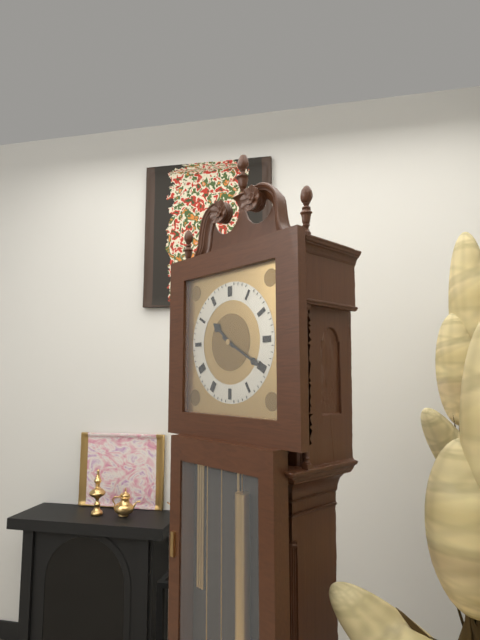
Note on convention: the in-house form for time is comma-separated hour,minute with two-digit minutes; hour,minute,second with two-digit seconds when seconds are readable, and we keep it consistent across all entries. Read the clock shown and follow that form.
10,20
